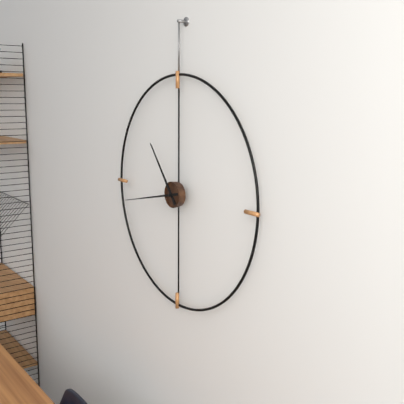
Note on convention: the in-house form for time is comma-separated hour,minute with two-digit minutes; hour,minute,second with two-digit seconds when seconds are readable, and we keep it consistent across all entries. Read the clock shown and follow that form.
10,43
